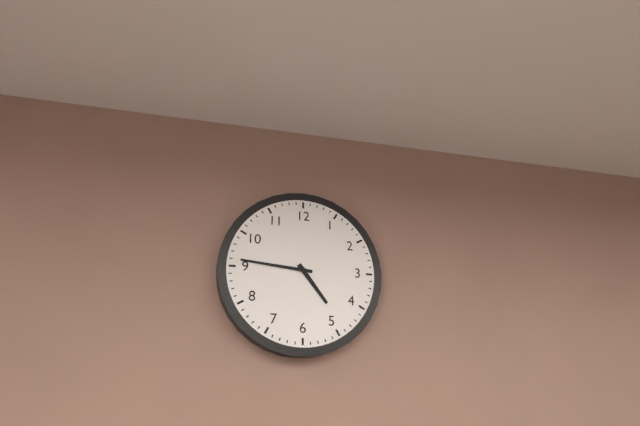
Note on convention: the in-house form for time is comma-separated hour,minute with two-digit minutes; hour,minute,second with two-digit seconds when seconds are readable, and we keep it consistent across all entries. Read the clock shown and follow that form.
4,46
